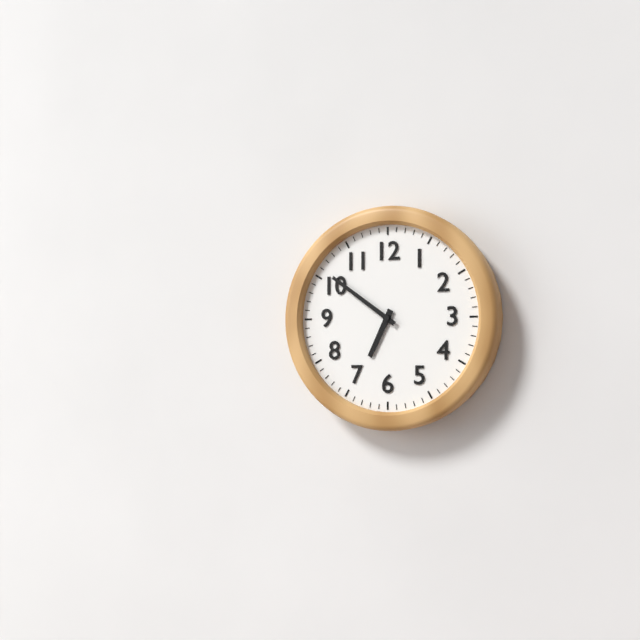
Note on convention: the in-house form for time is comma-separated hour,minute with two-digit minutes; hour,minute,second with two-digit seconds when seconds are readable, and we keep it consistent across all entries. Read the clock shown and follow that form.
6,51
